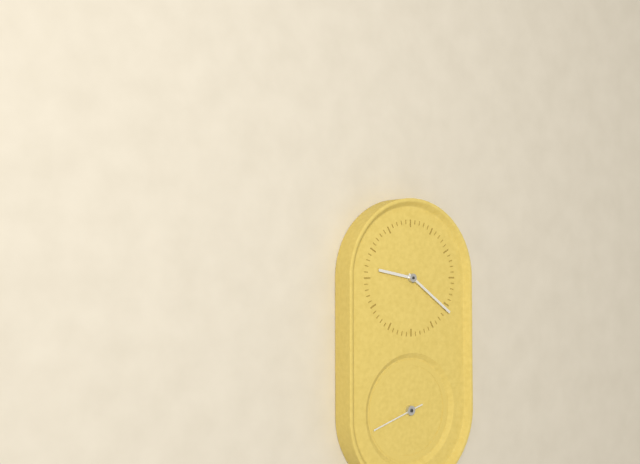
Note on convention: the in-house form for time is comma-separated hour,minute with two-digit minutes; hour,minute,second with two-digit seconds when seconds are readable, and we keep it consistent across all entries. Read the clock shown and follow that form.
9,21,42
